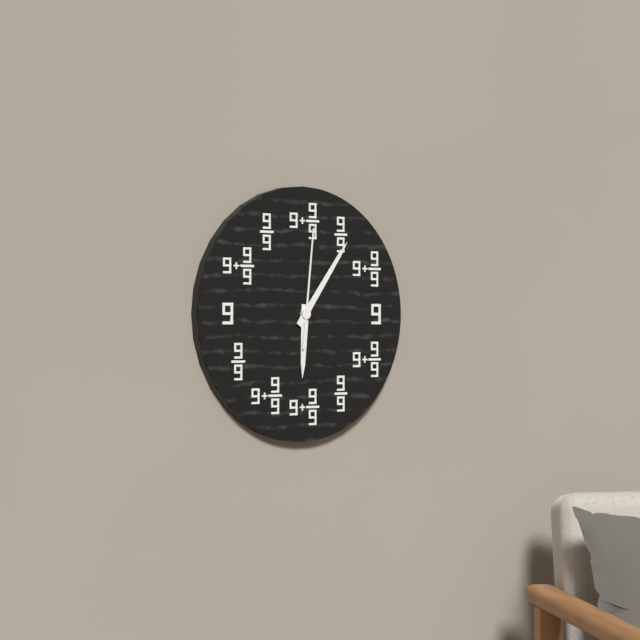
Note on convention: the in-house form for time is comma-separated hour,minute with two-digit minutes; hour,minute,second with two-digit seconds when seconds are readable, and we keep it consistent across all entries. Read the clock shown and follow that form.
6,06,01
